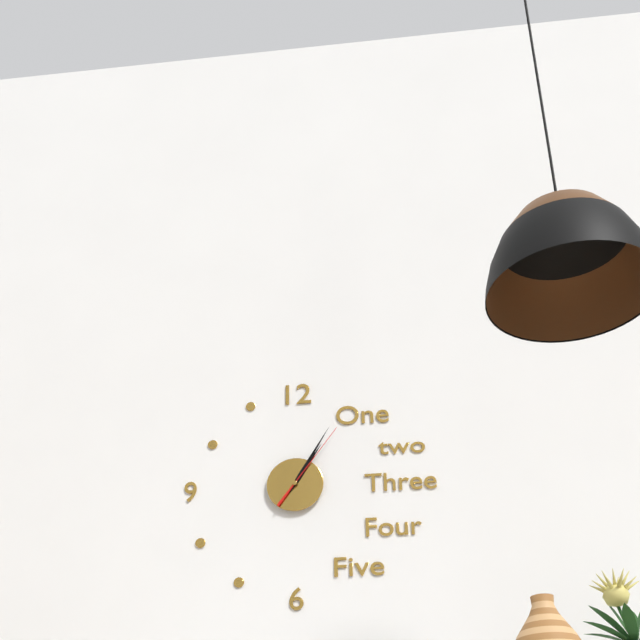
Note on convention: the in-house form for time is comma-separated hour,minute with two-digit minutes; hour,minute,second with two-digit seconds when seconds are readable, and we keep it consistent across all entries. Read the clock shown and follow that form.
1,05,06
